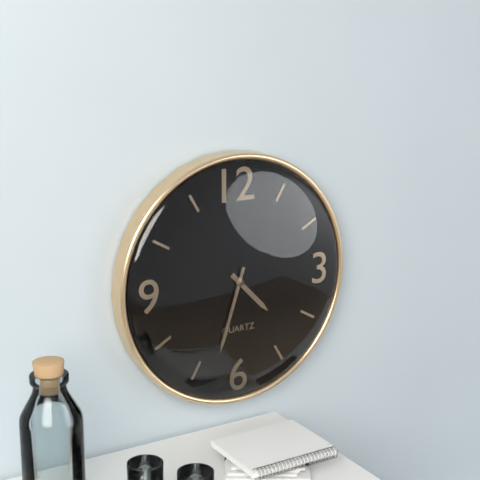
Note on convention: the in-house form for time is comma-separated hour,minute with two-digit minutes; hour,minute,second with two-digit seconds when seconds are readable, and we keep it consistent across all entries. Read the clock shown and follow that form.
4,33
